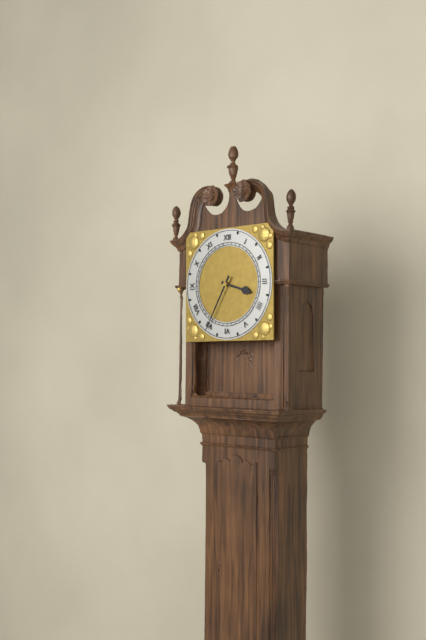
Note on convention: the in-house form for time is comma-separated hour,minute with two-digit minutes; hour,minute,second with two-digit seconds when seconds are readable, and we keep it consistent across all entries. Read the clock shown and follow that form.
3,35
